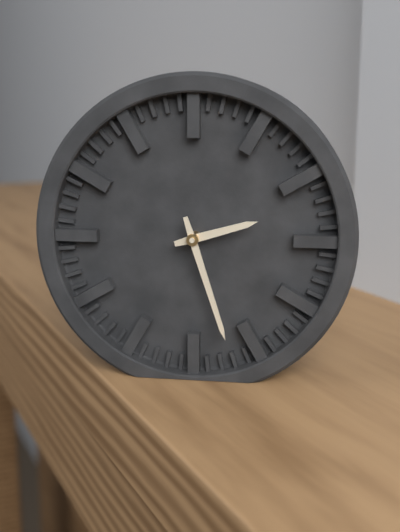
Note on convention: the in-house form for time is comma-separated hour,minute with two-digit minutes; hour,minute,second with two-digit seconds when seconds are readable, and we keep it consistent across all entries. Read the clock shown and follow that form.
2,27
